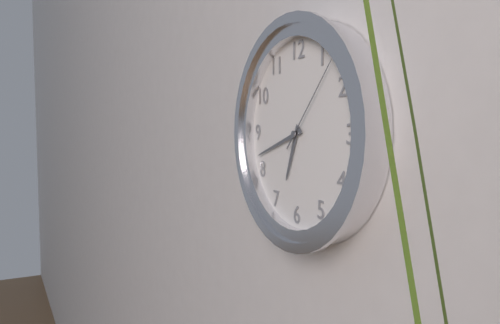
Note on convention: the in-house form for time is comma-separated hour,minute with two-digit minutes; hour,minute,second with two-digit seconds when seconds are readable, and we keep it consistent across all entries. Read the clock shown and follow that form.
6,42,07
